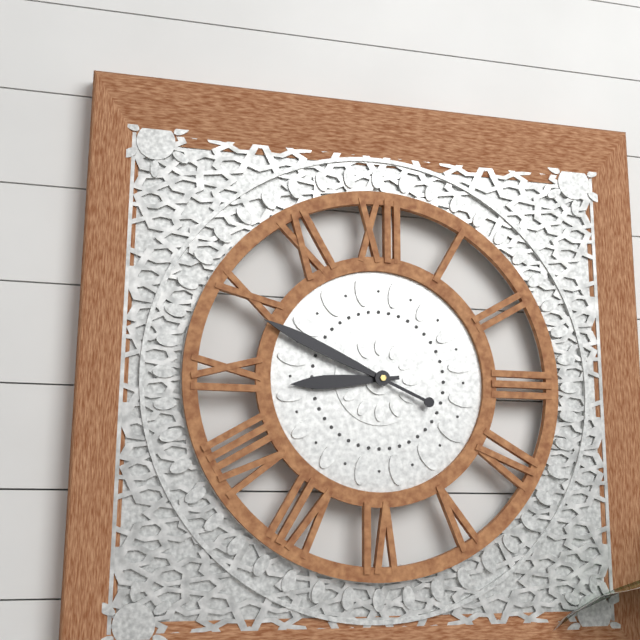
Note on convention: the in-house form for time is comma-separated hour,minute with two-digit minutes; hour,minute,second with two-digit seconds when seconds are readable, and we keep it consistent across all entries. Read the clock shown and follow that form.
8,49
